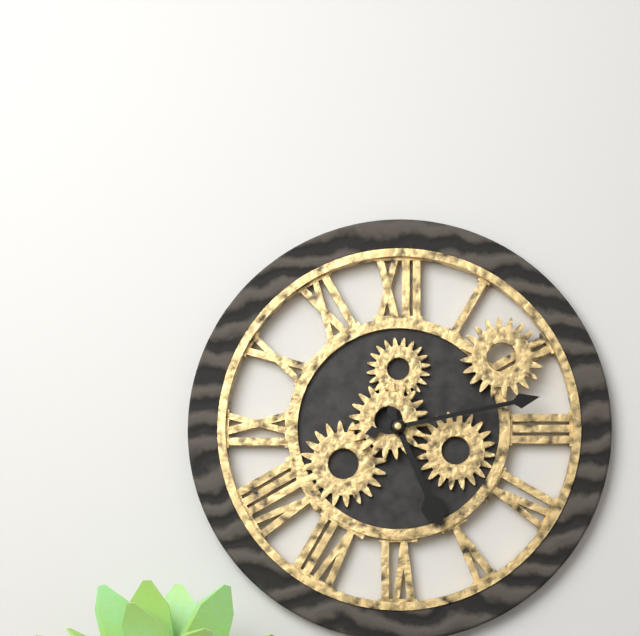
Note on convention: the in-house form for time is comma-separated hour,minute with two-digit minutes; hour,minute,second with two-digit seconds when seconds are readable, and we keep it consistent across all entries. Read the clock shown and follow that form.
5,13
